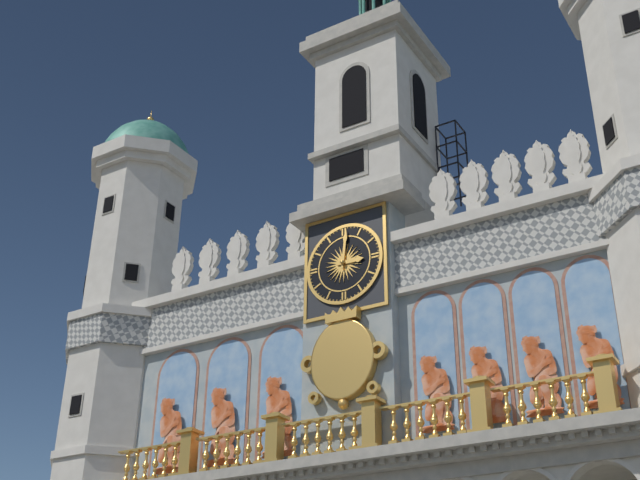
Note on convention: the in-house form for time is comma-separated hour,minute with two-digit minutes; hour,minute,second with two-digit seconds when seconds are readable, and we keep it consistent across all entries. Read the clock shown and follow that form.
3,01
